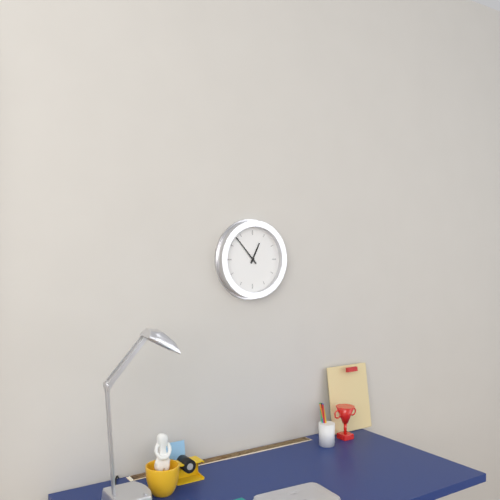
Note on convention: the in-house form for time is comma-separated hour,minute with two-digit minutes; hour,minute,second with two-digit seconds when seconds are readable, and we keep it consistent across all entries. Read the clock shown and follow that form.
12,53
